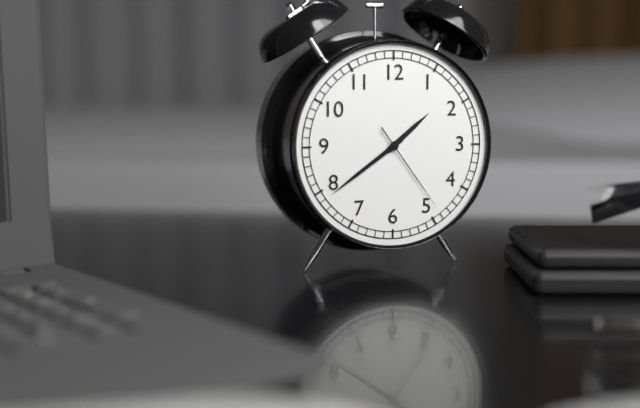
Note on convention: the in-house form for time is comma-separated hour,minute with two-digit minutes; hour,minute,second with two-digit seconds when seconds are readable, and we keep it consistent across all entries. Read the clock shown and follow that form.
1,39,24
